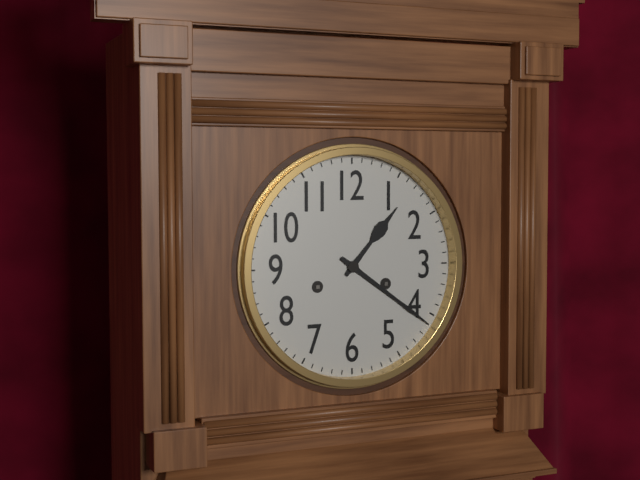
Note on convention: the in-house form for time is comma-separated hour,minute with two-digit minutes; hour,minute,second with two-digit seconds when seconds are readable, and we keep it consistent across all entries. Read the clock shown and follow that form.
1,21
